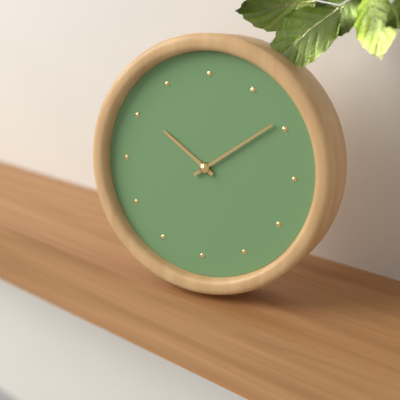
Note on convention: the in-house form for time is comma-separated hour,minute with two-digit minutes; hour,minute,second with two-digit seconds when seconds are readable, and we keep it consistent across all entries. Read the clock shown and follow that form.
10,09
